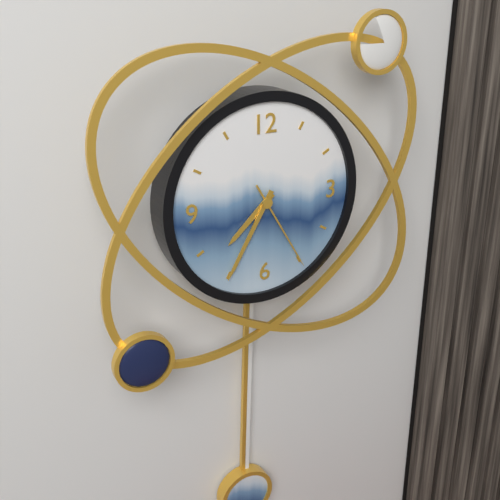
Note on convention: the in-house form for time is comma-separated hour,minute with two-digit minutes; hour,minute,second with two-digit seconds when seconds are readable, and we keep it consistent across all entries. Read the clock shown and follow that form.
7,35,25
